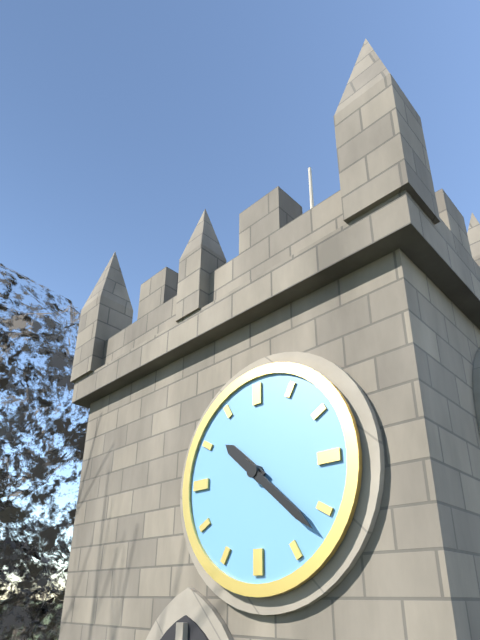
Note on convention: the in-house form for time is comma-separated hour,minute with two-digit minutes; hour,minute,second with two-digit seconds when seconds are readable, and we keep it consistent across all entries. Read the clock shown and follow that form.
10,22
